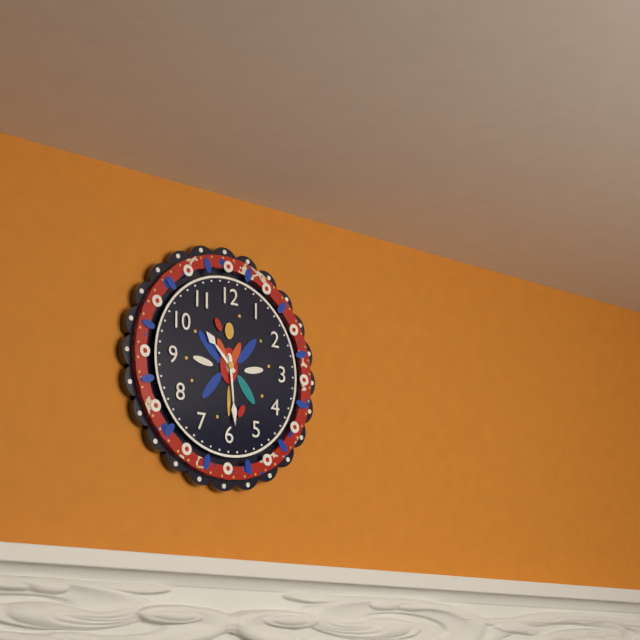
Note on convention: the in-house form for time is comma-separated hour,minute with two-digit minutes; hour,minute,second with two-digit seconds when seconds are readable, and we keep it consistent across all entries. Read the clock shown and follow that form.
10,29
